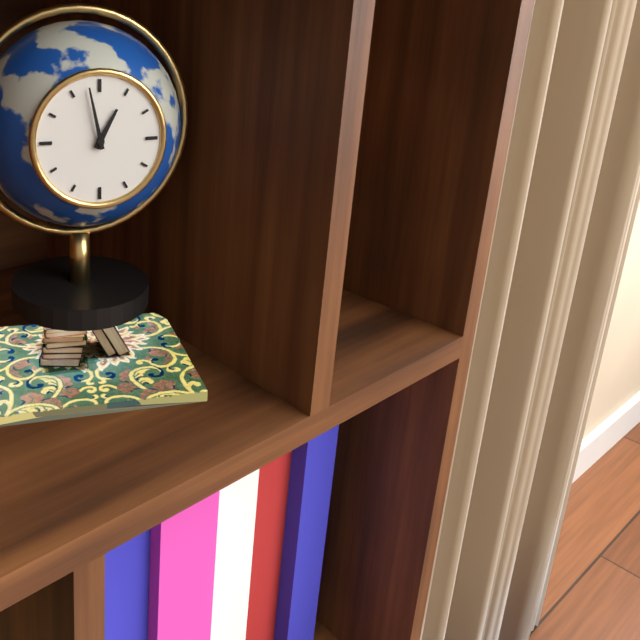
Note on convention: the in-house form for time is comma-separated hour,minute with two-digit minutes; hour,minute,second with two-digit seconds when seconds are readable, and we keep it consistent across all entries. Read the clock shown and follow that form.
12,58
